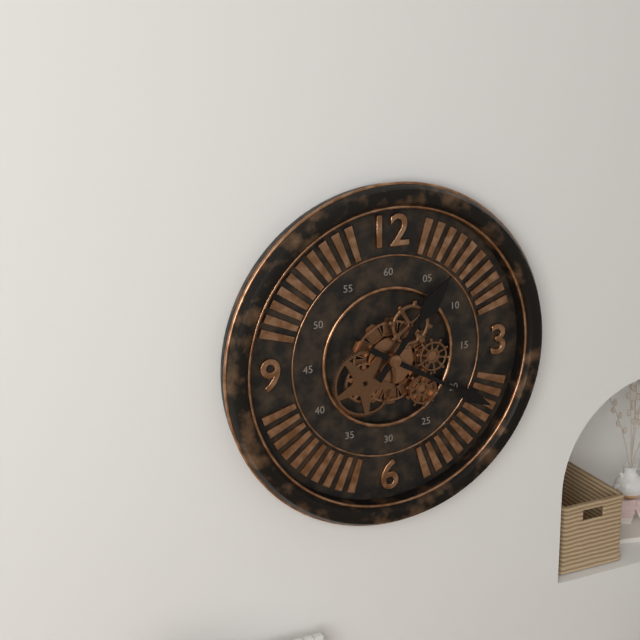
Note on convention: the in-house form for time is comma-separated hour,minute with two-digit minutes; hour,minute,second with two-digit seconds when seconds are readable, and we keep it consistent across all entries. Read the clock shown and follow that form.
1,20
